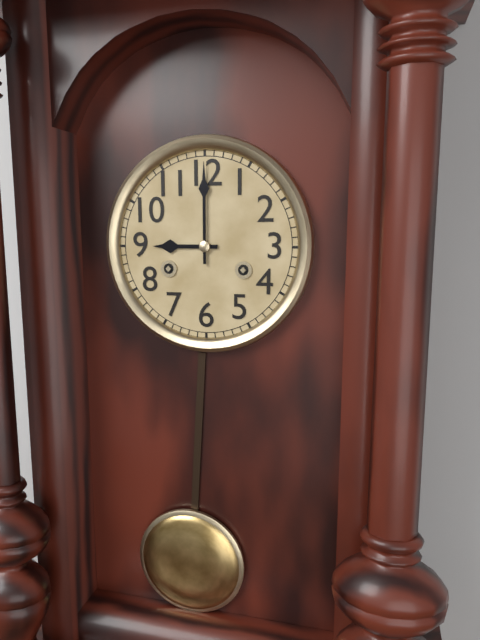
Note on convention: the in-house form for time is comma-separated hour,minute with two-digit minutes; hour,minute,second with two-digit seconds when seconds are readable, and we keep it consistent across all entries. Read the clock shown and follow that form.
9,00
